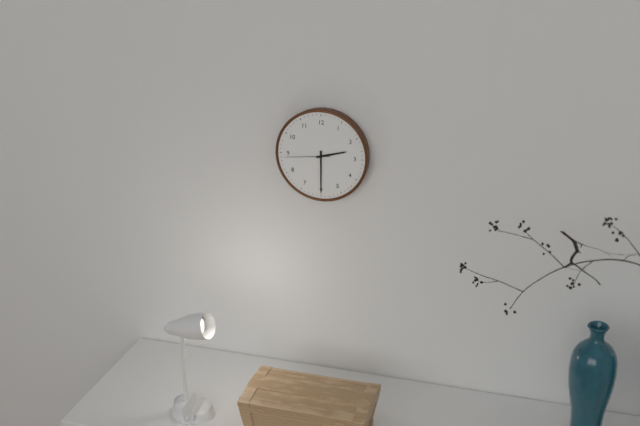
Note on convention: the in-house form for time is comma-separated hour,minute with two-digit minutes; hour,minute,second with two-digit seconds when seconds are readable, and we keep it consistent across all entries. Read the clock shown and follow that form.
2,30
